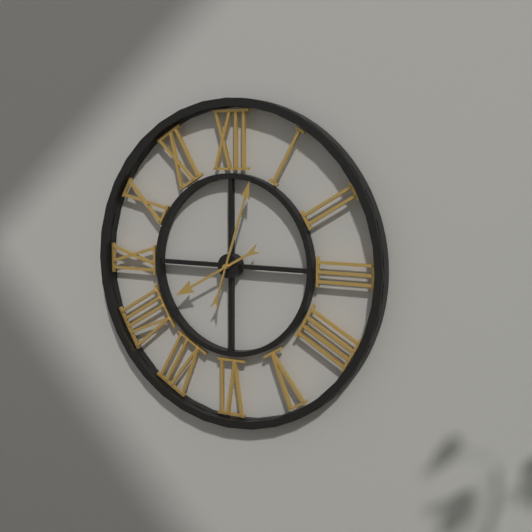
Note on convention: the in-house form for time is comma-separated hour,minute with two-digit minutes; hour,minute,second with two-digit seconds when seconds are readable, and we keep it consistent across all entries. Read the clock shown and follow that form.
8,03
